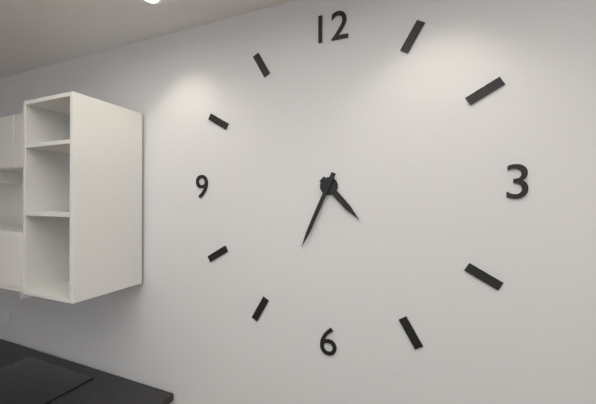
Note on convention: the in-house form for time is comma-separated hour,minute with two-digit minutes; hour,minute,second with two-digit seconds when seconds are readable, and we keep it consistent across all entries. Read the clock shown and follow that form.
4,34
